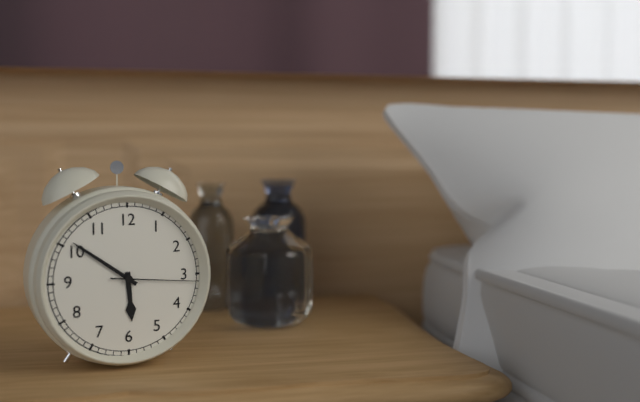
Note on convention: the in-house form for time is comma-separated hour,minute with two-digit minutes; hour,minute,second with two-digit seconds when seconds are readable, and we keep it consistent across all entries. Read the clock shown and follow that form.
5,51,16
